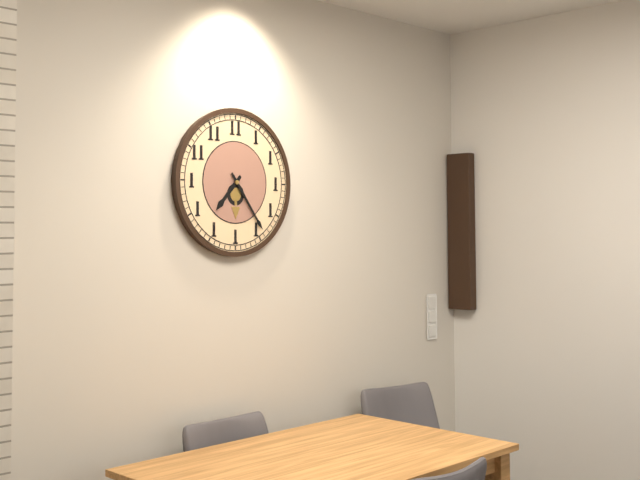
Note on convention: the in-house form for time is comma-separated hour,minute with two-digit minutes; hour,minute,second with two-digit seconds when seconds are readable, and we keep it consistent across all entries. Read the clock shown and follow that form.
7,24
